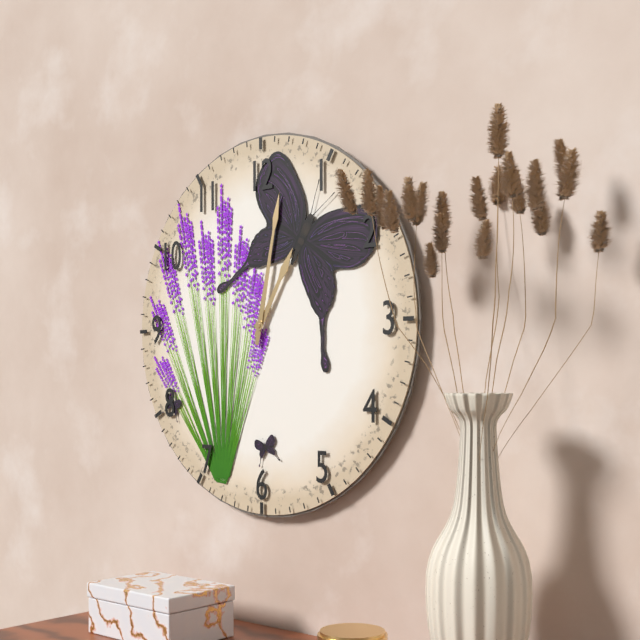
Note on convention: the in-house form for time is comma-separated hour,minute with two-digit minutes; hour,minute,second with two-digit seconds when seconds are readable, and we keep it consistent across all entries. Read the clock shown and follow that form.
1,02
